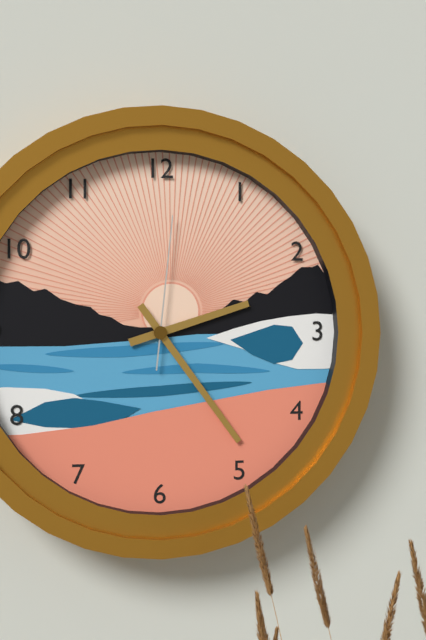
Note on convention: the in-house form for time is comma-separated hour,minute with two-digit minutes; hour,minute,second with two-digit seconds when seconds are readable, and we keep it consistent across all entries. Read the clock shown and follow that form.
2,24,01
